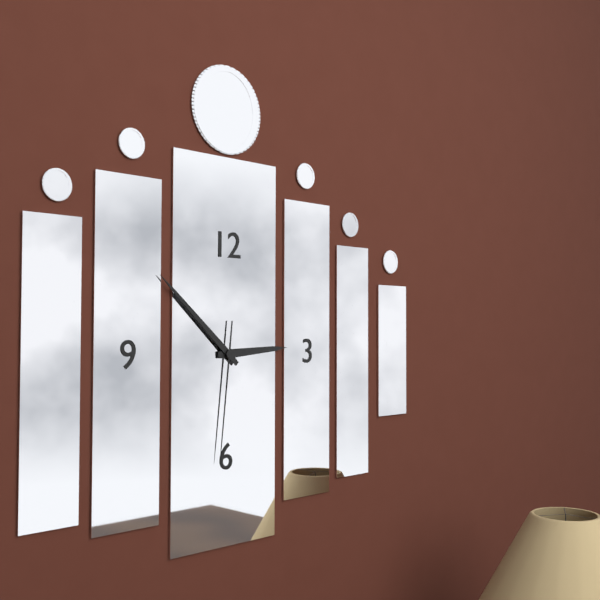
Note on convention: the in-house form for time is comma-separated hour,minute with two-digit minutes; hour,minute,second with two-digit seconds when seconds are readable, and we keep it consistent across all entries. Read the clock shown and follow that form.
2,52,31
